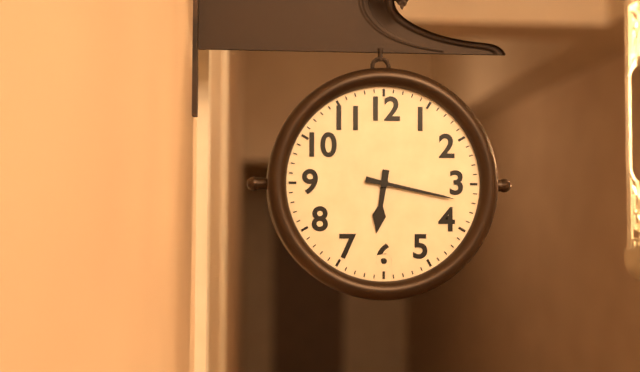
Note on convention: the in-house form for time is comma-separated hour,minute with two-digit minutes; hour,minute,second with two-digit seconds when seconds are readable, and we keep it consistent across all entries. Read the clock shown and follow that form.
6,17
